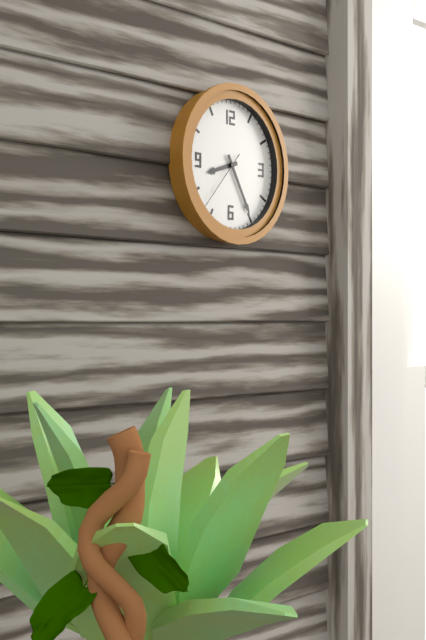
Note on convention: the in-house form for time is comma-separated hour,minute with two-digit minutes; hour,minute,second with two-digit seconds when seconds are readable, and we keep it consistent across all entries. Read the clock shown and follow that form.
8,25,37
